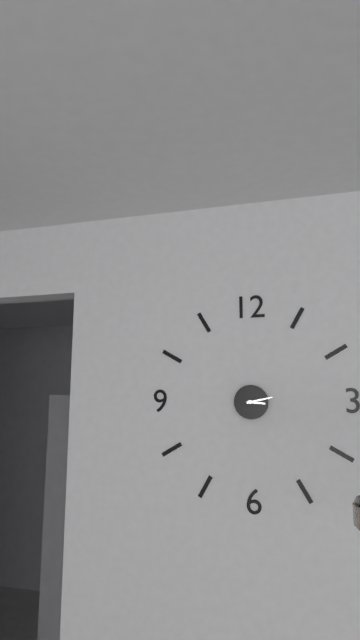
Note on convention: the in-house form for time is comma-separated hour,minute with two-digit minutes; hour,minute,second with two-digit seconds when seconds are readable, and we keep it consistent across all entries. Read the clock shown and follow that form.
3,13
